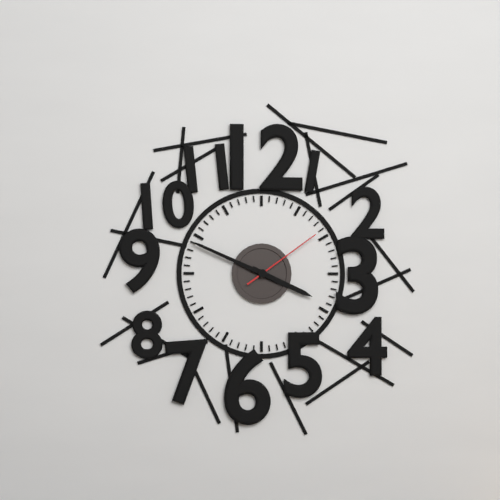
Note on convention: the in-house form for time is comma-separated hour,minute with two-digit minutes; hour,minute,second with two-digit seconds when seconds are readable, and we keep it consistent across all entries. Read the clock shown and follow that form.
3,49,09
